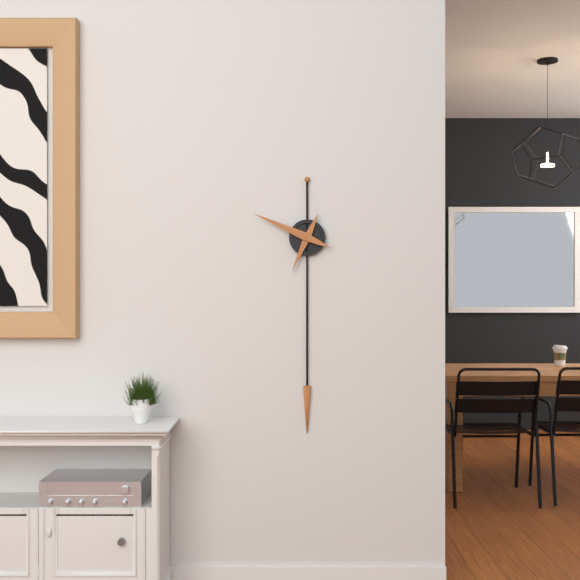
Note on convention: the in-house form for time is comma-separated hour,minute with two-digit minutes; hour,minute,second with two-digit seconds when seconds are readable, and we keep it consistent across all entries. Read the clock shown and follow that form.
6,49
